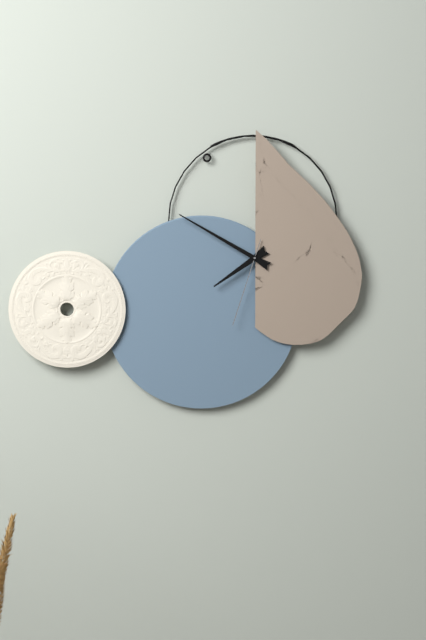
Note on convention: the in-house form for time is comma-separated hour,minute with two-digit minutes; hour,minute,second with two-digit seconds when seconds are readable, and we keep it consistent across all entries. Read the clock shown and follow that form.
7,50,33
